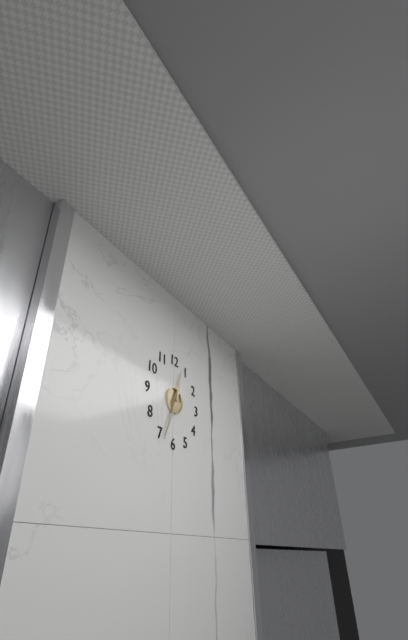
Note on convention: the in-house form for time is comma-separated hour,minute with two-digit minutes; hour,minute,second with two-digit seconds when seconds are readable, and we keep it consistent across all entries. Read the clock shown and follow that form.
12,34
